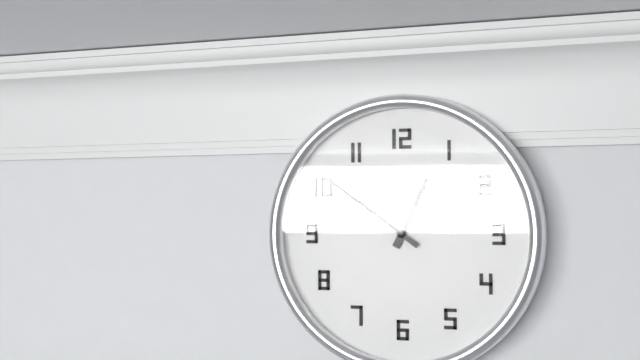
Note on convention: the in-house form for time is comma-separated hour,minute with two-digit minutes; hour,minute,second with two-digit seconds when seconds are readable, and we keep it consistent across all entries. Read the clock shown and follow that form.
12,51
